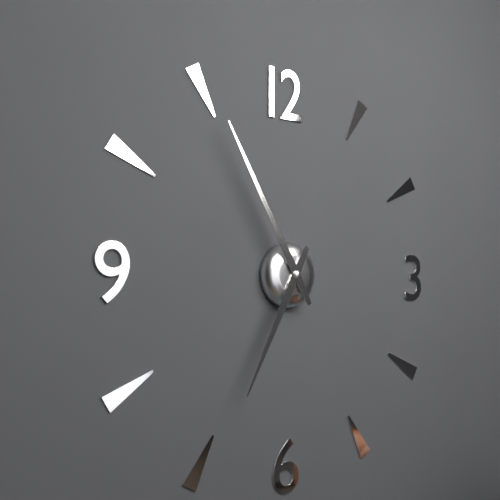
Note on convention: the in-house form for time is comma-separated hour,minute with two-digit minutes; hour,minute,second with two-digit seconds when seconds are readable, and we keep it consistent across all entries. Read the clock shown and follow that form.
6,55
